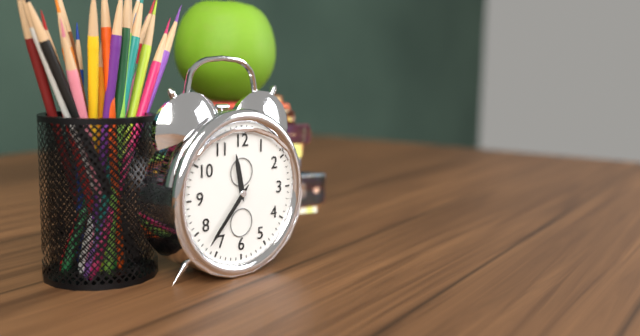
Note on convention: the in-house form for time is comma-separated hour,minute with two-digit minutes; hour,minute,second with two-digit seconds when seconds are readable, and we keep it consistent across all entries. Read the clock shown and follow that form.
11,37
